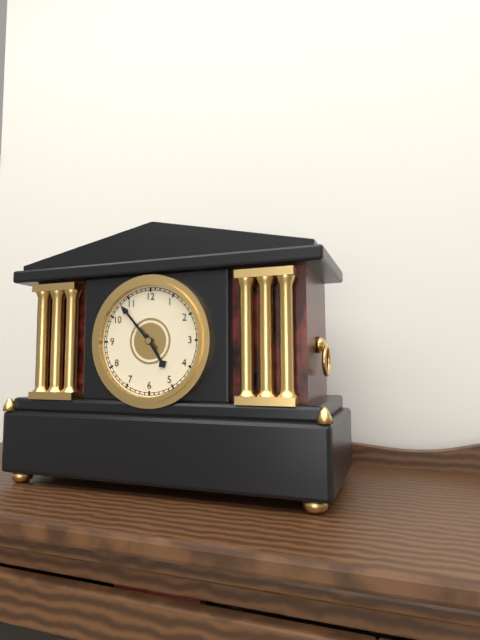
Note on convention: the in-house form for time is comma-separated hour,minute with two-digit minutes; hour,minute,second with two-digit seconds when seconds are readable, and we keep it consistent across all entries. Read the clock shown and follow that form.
4,53
